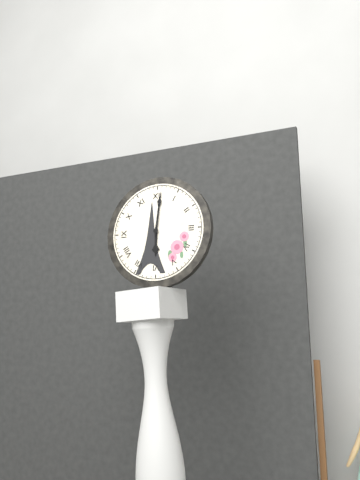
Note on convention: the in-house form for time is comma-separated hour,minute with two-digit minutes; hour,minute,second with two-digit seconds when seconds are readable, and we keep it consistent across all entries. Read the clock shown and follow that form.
6,01
